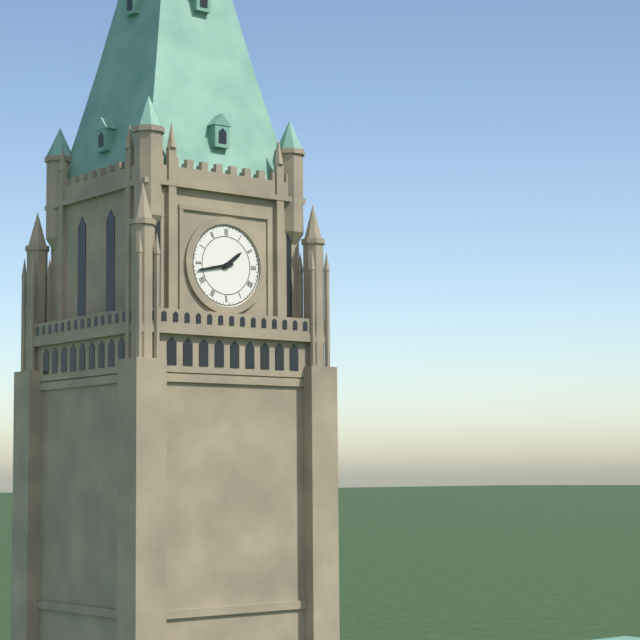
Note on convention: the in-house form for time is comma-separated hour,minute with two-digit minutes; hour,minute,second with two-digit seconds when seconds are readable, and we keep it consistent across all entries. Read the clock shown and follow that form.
1,43
